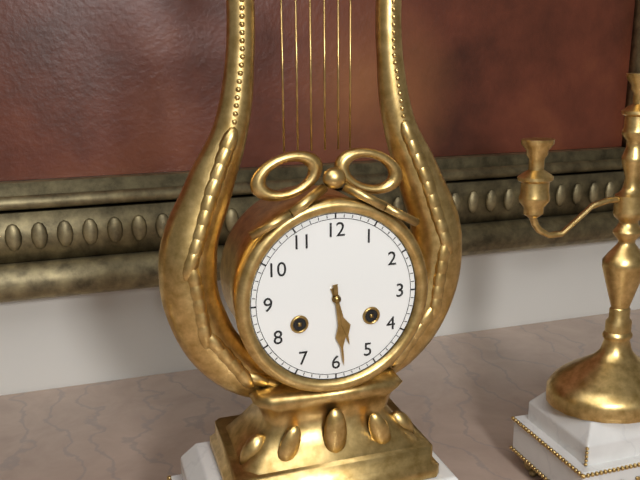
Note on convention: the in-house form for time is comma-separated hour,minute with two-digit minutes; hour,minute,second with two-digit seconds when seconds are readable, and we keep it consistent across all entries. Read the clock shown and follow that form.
5,29
